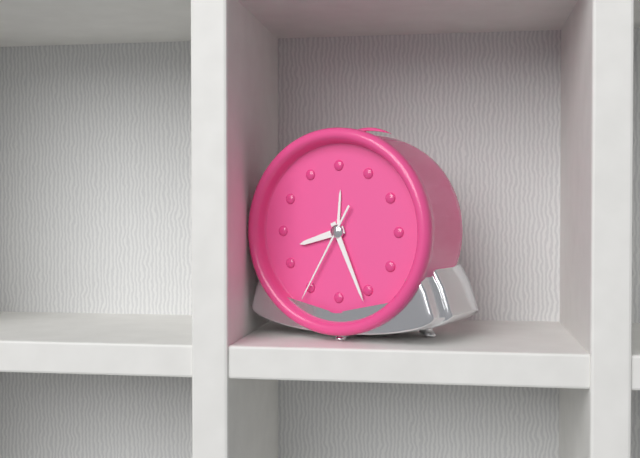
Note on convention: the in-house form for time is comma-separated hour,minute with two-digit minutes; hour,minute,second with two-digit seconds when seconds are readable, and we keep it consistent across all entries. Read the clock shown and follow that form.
8,26,35
